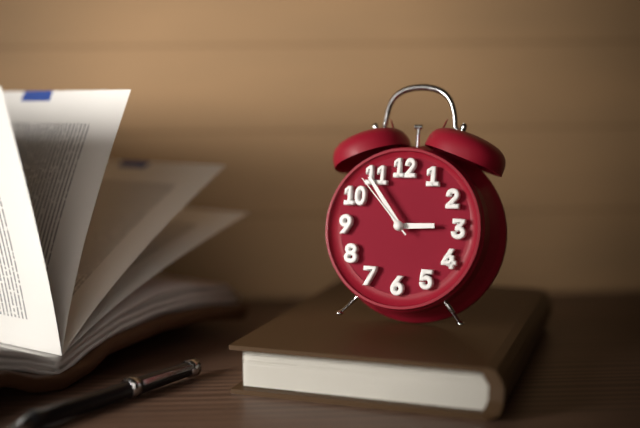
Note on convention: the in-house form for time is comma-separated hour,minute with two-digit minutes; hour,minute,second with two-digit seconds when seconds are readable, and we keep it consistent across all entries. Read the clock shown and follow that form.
2,54,53
